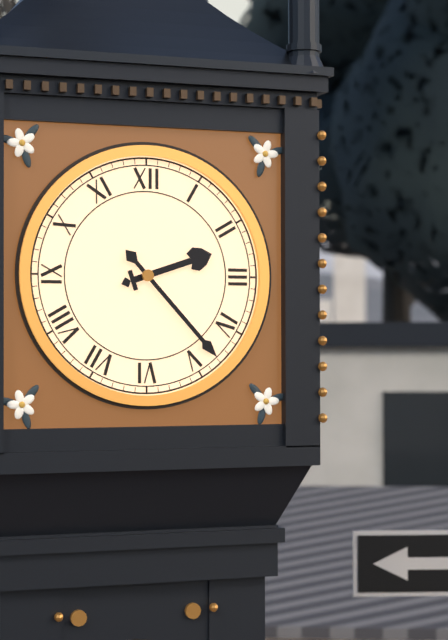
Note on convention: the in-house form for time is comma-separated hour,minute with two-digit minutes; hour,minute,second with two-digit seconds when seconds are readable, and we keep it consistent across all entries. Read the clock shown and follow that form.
2,23
